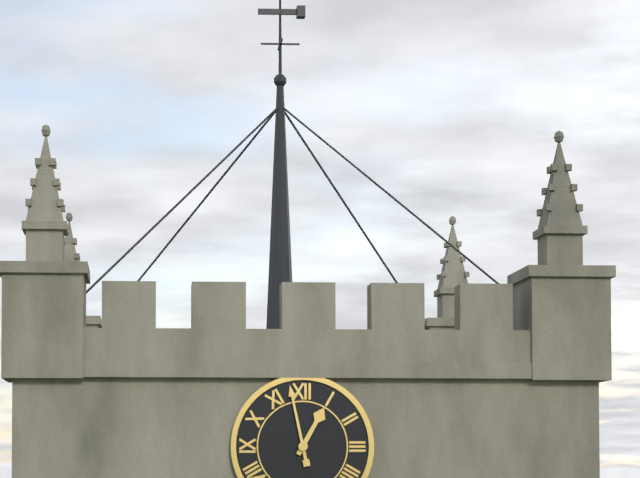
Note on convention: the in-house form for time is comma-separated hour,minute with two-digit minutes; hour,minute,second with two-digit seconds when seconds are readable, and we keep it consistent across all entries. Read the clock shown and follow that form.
12,58
